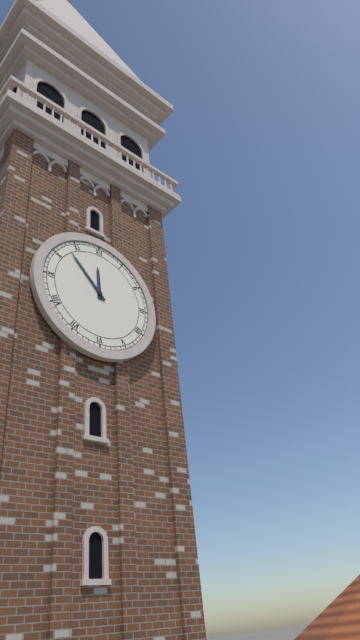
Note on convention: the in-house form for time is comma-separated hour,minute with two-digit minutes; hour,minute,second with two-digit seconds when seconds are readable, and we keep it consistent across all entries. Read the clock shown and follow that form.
11,53
